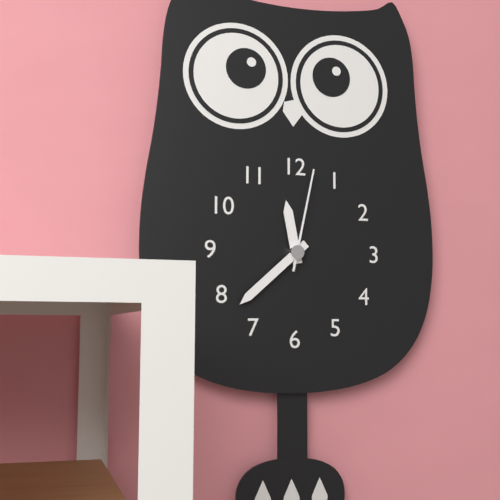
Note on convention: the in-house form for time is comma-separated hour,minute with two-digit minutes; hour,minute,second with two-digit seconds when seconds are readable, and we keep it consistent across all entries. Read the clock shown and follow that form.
11,38,02
